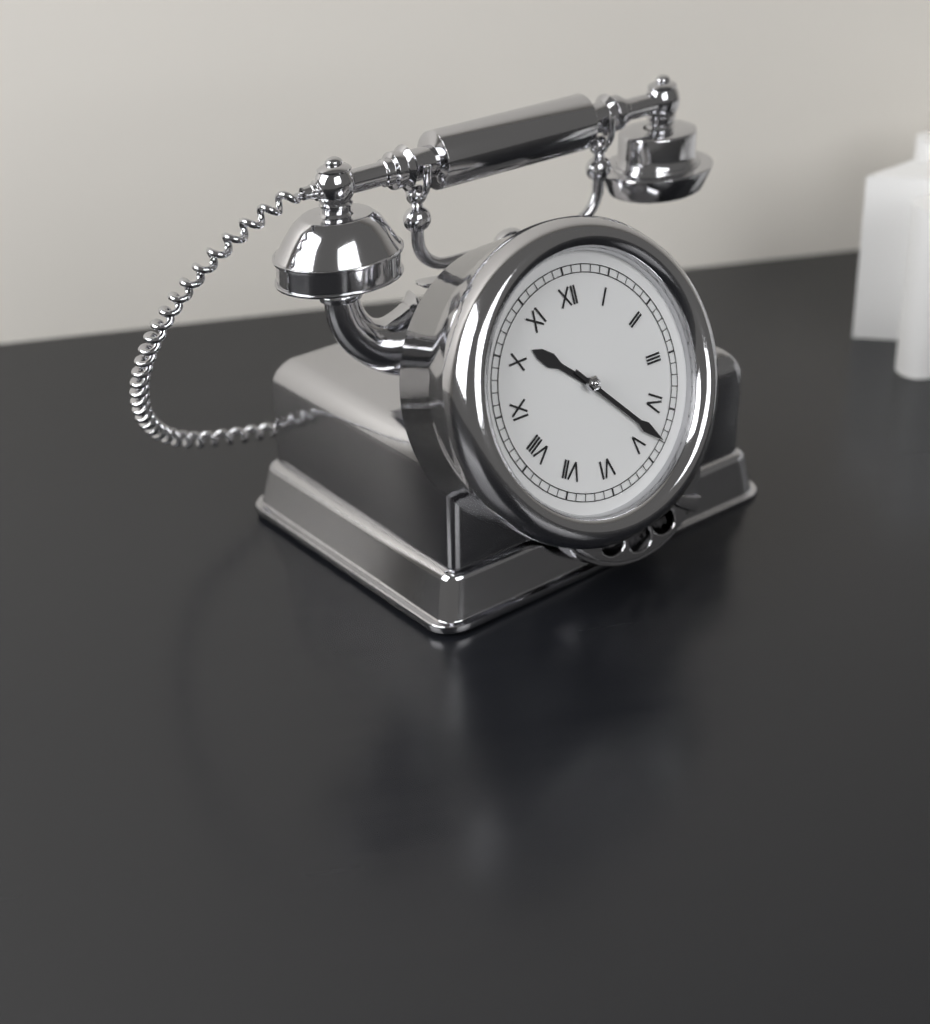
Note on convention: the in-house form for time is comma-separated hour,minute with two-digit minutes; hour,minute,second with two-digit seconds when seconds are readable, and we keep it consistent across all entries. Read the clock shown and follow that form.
10,23
